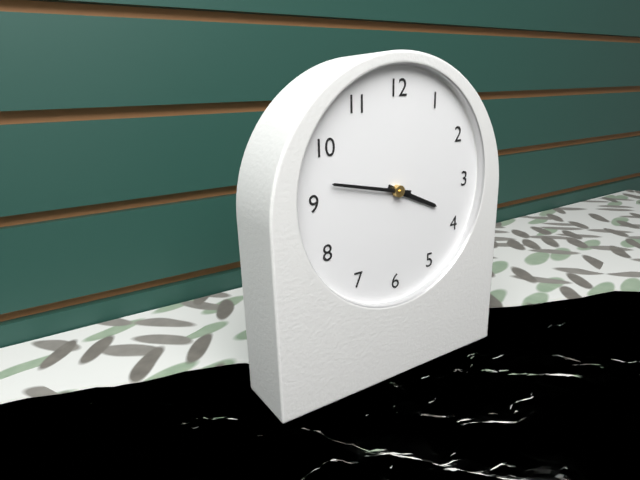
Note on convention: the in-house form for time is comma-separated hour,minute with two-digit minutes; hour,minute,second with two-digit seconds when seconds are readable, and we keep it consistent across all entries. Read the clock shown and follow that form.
3,47
